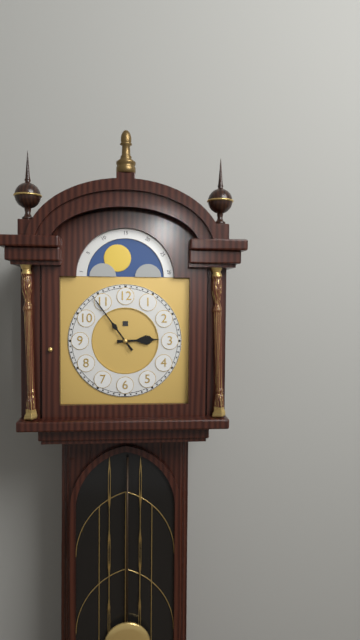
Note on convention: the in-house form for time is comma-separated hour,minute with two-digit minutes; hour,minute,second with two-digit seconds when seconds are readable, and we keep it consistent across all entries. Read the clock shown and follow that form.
2,54
